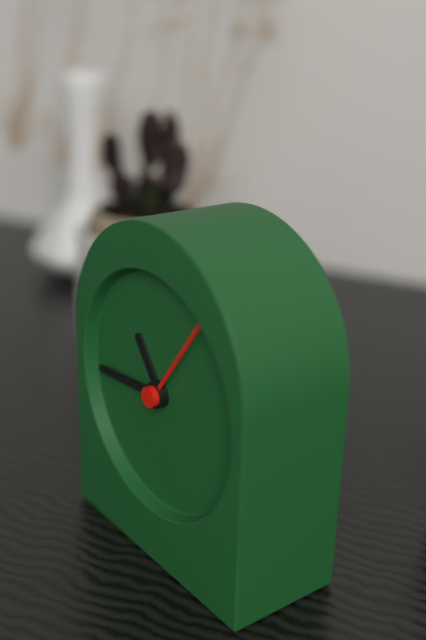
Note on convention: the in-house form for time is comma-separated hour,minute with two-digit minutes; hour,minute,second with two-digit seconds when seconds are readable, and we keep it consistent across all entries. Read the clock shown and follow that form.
10,44,06
